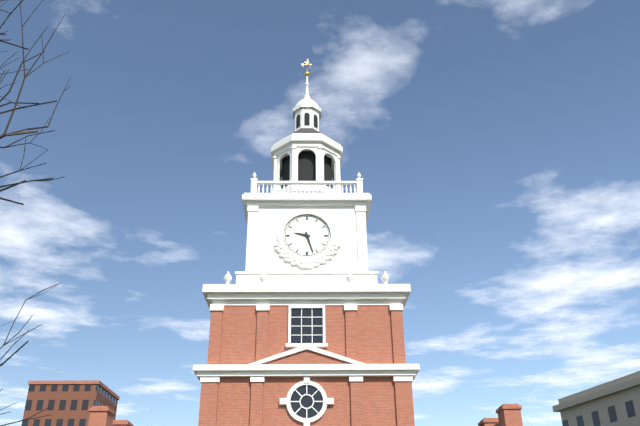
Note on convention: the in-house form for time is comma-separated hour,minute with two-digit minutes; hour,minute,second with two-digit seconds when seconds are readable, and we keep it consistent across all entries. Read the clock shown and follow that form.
9,27
